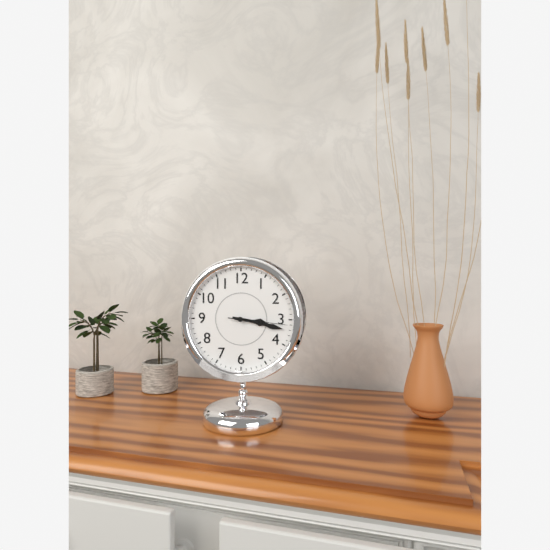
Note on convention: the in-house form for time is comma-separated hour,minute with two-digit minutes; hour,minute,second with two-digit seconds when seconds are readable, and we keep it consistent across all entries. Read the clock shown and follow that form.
3,17,16
